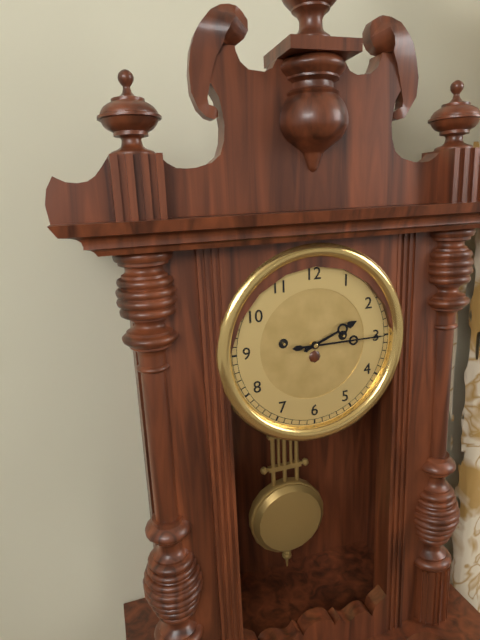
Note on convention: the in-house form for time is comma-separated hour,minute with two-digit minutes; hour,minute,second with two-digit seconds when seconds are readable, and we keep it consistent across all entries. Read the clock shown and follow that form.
2,15
